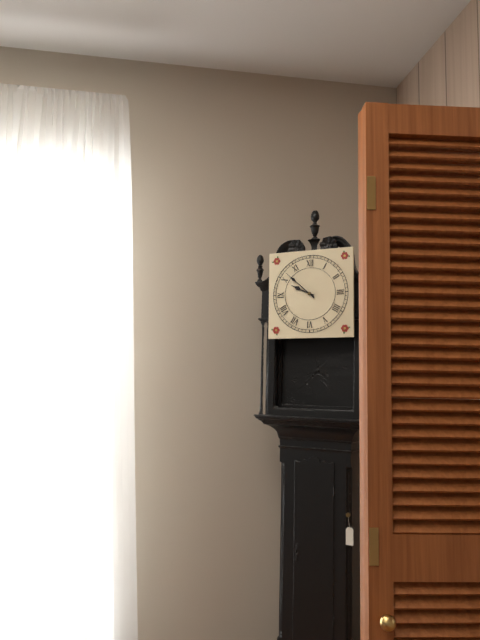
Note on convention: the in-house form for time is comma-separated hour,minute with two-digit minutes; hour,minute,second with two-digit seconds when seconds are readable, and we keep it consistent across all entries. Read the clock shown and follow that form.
9,52
